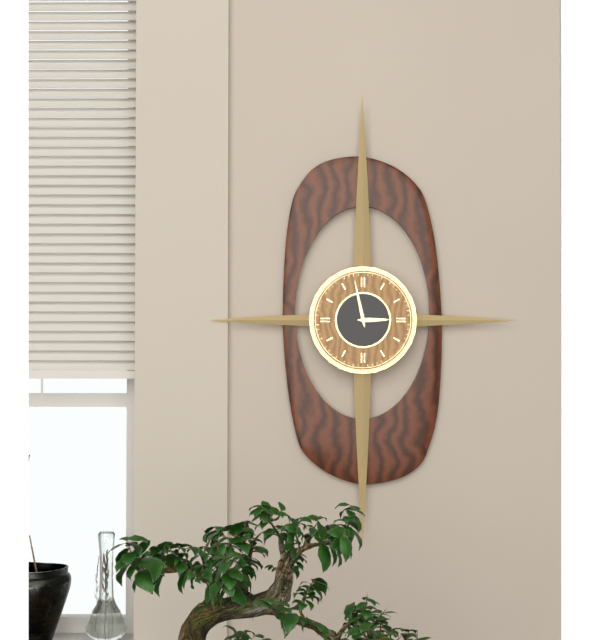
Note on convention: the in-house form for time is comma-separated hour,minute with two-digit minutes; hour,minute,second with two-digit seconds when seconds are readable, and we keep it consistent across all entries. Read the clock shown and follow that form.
2,58
